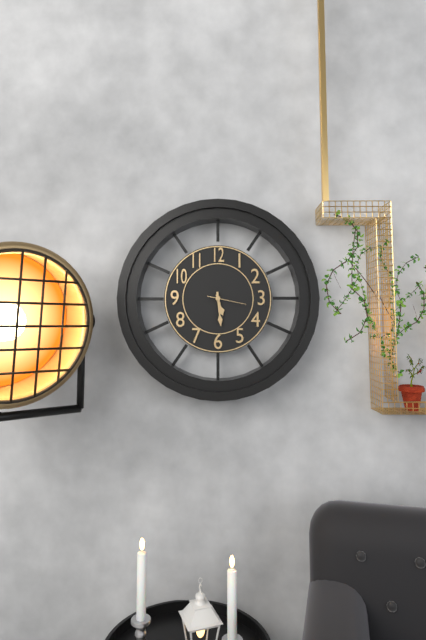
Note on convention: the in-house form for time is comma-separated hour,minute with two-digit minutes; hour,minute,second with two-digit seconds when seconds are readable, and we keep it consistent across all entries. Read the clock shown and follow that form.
5,29
